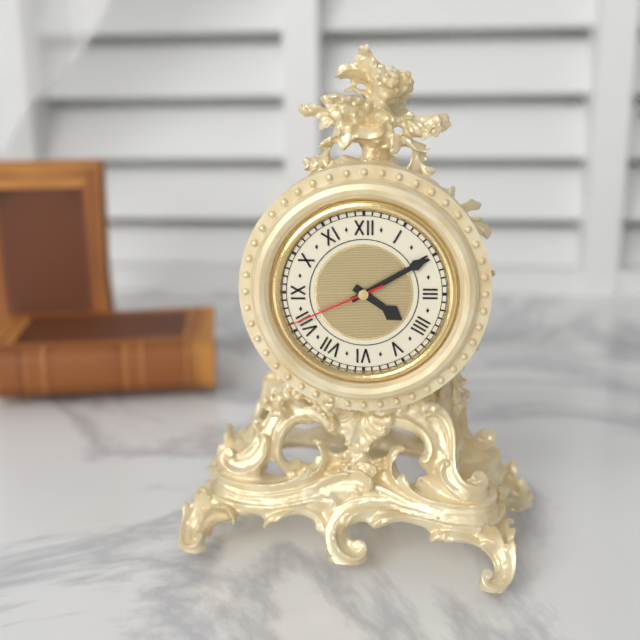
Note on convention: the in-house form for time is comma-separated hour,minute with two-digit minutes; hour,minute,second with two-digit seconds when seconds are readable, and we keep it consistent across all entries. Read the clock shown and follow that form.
4,10,41
